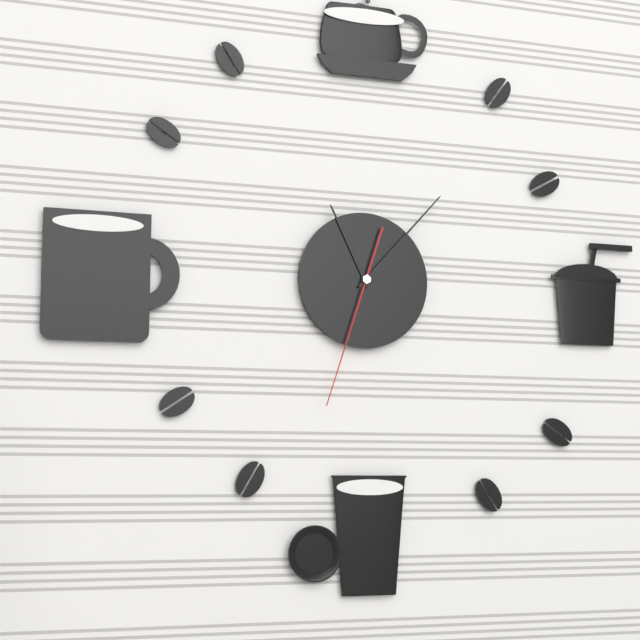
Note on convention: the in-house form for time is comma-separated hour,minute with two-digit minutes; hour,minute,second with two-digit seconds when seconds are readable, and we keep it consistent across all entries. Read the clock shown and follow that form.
11,07,33
